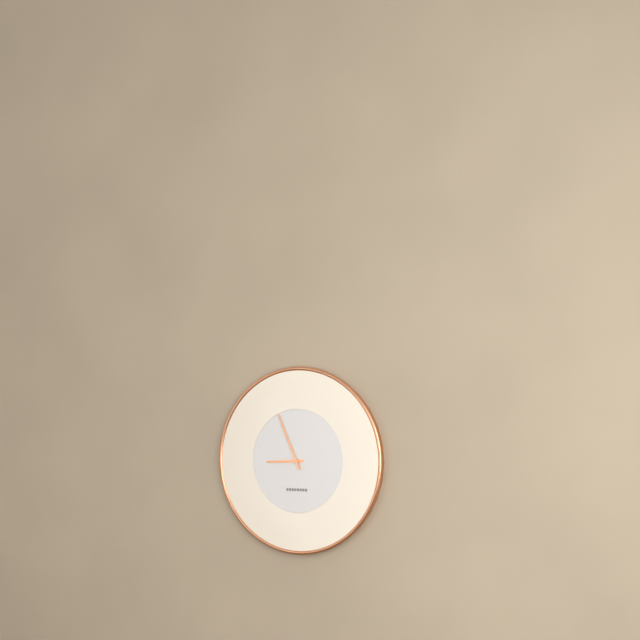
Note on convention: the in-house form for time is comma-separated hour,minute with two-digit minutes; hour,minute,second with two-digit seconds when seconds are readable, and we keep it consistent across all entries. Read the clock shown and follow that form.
8,56
